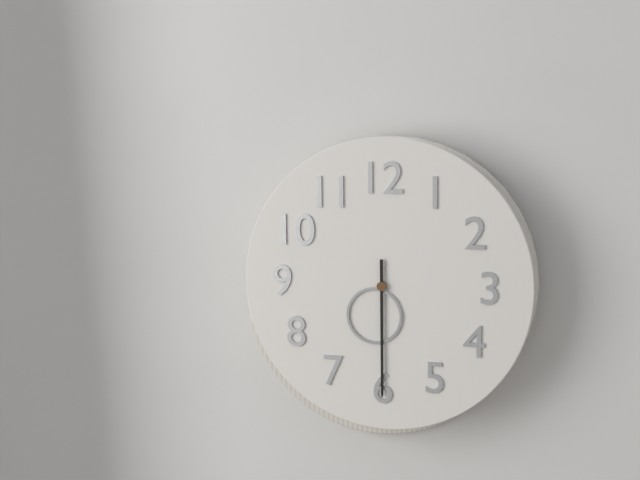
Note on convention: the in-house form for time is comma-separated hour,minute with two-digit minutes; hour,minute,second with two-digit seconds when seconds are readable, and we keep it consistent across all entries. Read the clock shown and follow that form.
6,30
